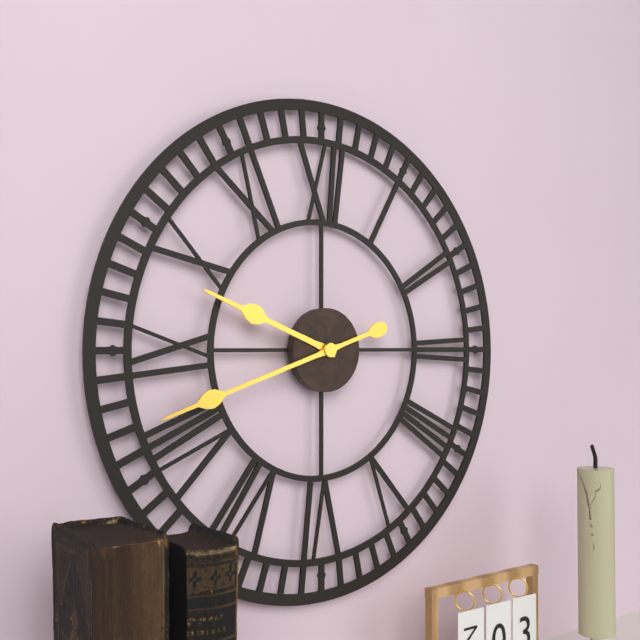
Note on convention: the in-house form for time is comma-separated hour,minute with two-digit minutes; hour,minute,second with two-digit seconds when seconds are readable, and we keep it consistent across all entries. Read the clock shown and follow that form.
9,42
